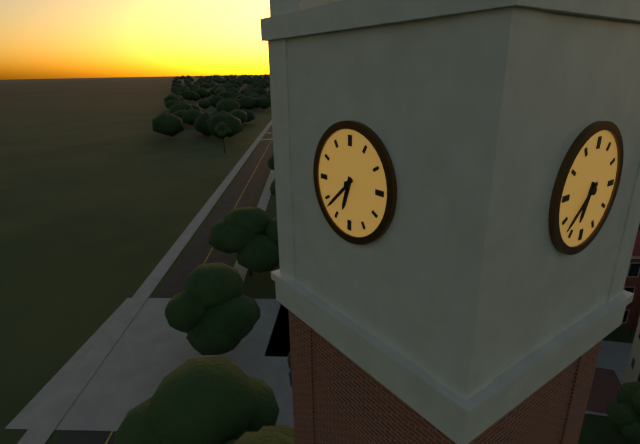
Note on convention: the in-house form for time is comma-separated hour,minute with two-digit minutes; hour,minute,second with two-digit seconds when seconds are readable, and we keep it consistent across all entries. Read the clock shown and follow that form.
6,38
